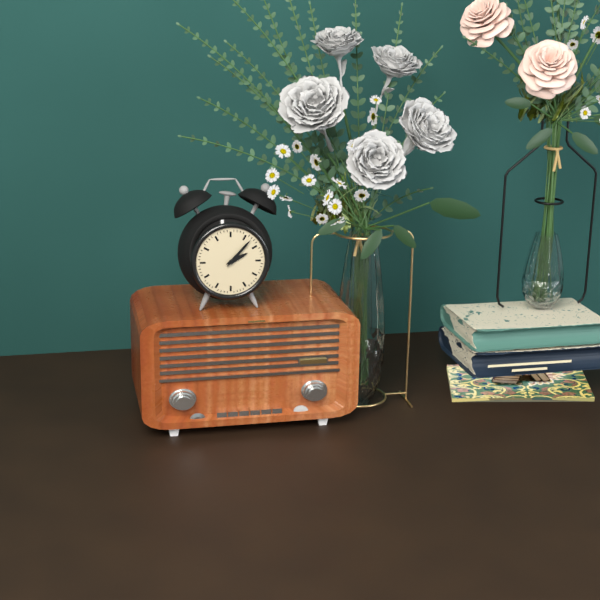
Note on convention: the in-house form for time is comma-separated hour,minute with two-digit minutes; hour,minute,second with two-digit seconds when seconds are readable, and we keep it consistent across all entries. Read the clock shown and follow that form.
2,07
